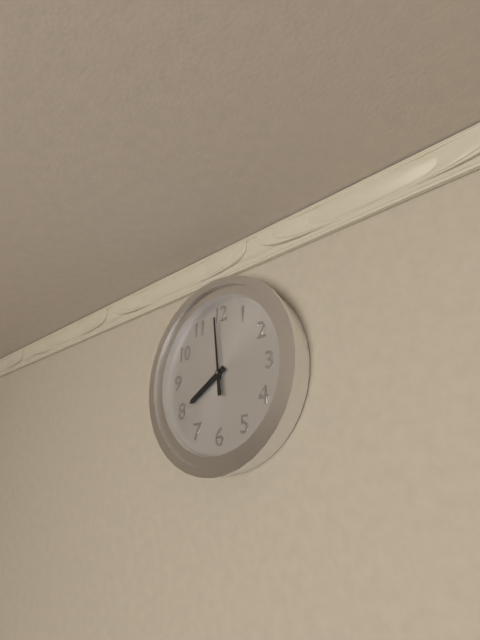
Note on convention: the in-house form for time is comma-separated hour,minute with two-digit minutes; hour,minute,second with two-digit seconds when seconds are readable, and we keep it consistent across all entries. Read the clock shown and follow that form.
7,59
